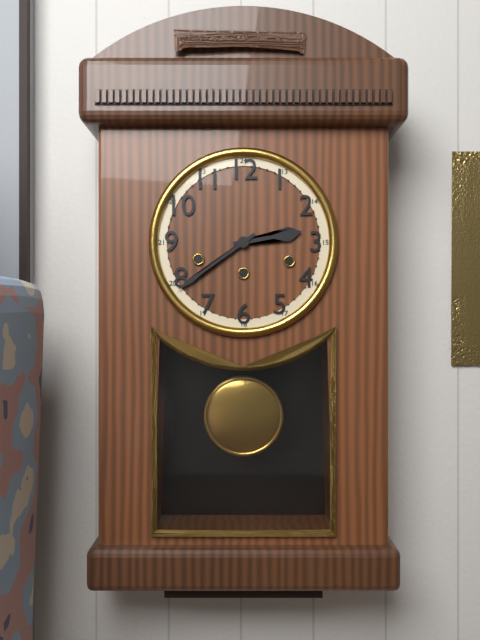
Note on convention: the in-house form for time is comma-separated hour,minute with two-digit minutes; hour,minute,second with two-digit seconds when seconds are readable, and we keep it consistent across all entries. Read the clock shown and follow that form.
2,39
